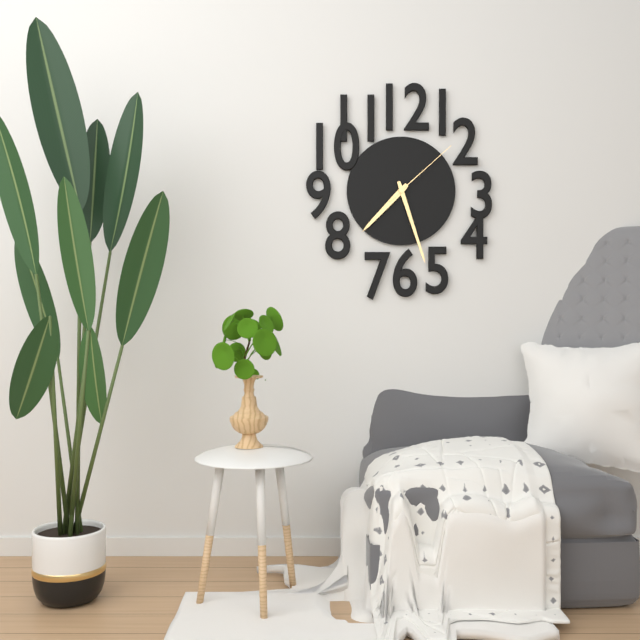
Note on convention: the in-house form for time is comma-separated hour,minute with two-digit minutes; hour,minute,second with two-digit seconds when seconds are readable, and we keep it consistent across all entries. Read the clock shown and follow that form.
7,27,08
